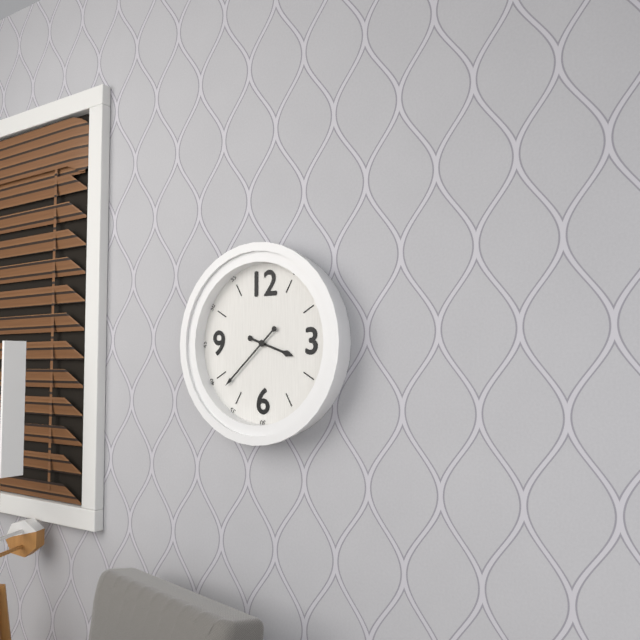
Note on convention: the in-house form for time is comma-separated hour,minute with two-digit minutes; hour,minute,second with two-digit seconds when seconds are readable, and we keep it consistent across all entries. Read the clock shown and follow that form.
3,38
